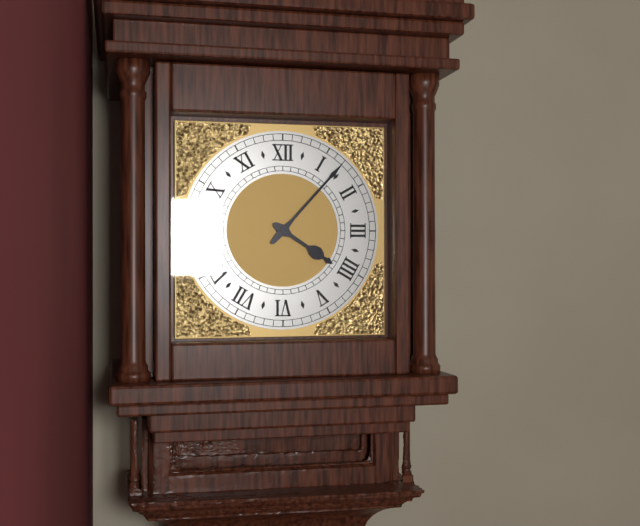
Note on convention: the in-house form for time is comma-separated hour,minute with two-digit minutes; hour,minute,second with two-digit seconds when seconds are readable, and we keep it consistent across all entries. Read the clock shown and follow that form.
4,07
